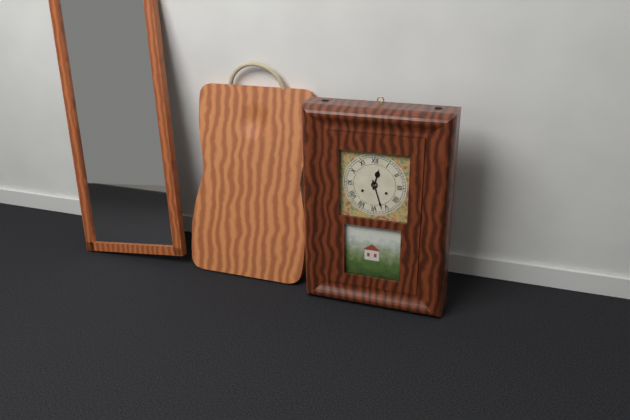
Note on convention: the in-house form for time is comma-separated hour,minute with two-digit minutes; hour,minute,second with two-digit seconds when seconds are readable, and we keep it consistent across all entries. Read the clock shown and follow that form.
12,27
